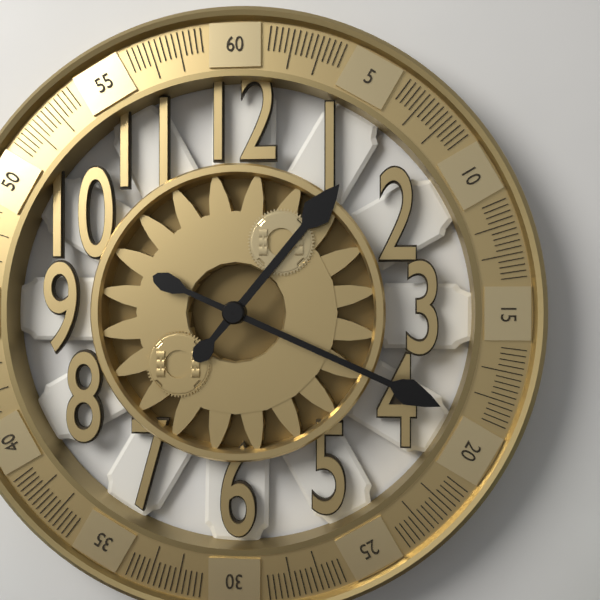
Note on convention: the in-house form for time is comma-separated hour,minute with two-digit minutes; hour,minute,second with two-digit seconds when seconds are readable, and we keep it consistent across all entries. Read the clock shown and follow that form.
1,19
